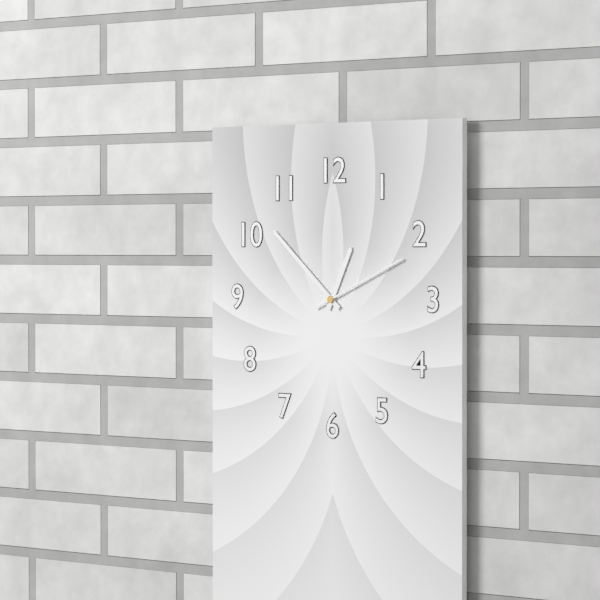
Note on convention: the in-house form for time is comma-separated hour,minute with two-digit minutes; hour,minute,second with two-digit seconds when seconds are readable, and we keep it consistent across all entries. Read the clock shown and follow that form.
12,52,11
